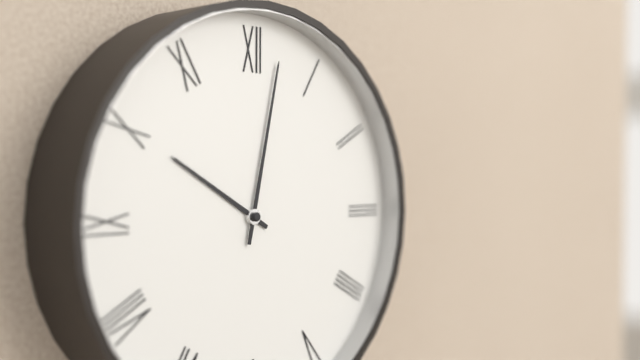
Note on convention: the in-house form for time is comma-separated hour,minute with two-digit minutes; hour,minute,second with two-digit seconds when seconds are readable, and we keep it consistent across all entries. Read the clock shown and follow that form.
10,02
